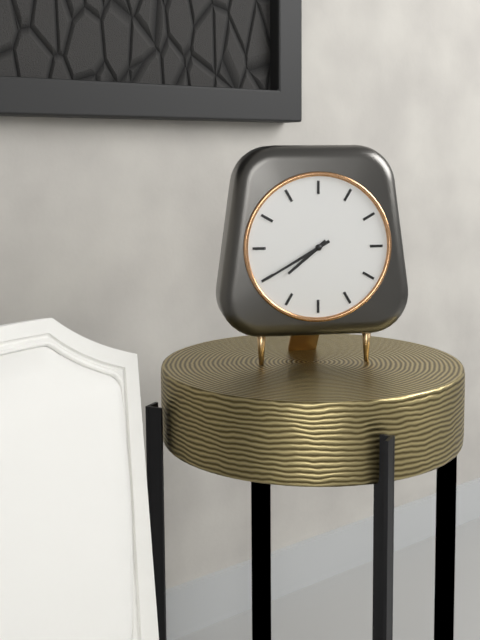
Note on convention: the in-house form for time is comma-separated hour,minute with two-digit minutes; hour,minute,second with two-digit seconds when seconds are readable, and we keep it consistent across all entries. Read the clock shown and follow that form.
7,40
